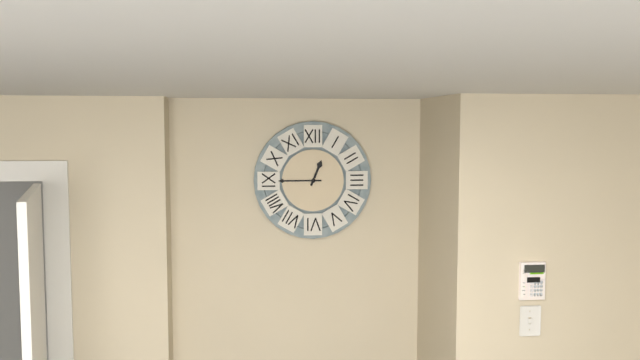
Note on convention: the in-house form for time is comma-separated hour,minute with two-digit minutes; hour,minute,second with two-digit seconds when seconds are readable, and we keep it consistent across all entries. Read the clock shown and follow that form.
12,45
